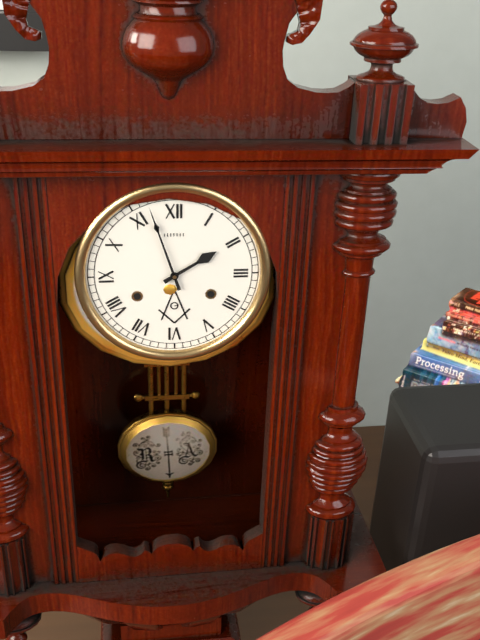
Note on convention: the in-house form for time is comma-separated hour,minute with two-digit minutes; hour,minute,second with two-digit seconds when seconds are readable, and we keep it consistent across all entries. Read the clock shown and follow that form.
1,57
